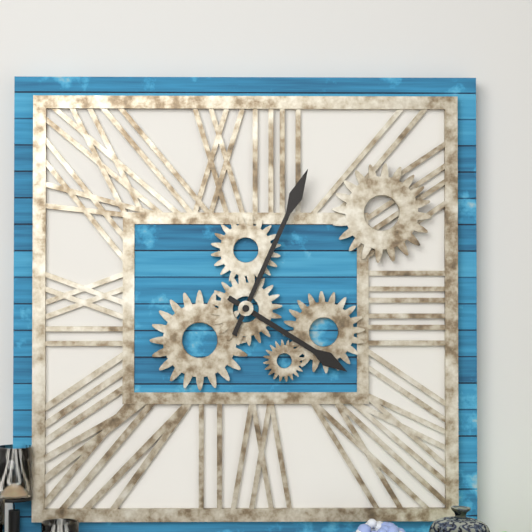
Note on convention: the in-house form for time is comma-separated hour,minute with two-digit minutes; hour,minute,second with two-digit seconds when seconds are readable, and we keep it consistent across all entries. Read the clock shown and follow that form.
4,04
